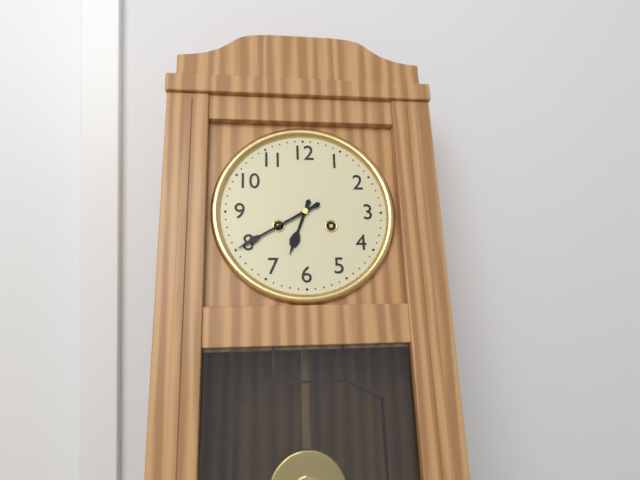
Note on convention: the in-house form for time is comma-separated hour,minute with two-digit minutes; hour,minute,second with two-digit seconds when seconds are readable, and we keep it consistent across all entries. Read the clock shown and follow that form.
6,40
